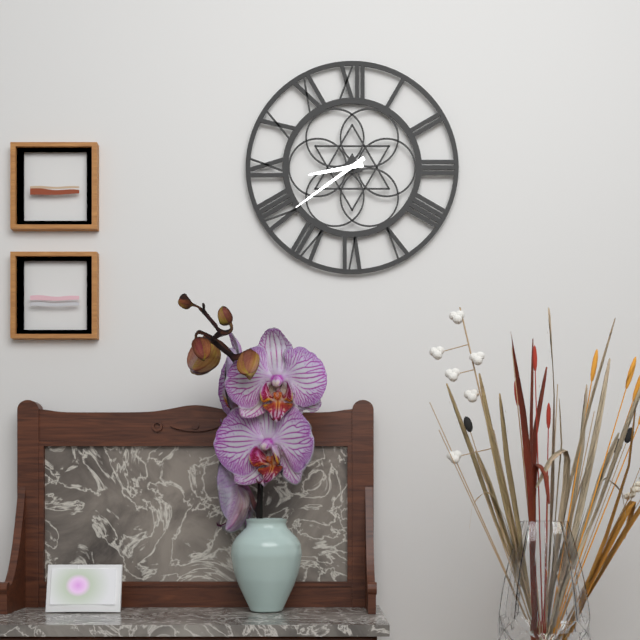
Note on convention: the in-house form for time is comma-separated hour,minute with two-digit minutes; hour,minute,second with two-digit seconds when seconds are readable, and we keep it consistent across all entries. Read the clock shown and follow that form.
8,39
